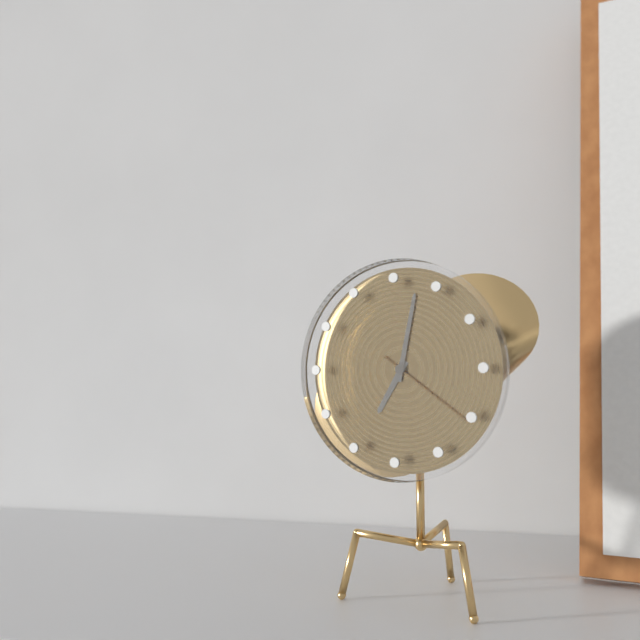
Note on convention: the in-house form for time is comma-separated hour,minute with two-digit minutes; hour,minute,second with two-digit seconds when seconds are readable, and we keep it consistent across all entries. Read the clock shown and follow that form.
7,02,21
